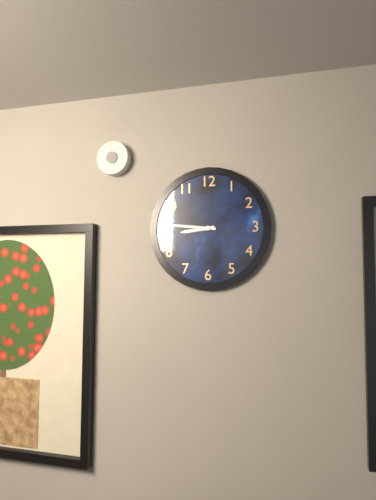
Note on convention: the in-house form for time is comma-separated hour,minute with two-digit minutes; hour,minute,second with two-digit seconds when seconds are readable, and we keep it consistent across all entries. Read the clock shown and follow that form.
8,46
